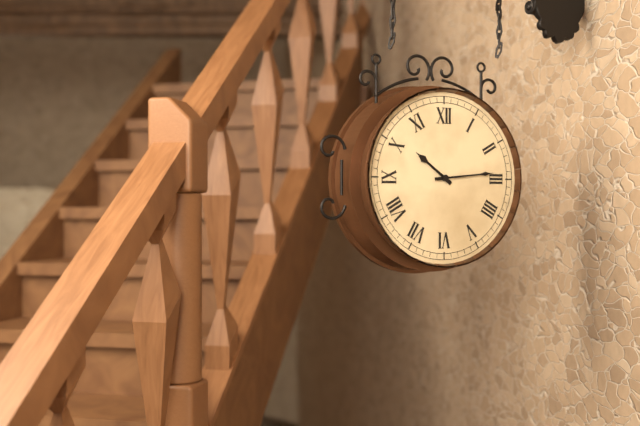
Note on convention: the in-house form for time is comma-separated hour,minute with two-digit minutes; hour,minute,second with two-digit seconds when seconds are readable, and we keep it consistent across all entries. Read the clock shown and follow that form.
10,14
